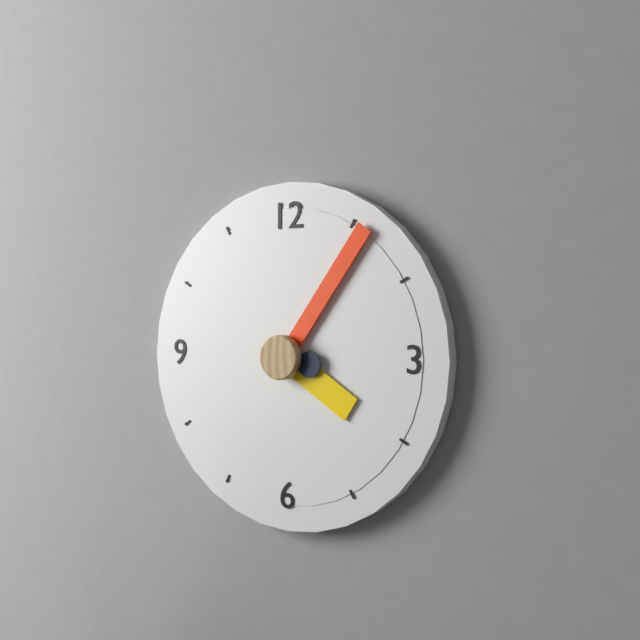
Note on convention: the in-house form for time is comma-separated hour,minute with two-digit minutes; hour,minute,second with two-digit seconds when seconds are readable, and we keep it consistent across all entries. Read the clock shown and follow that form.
4,06
